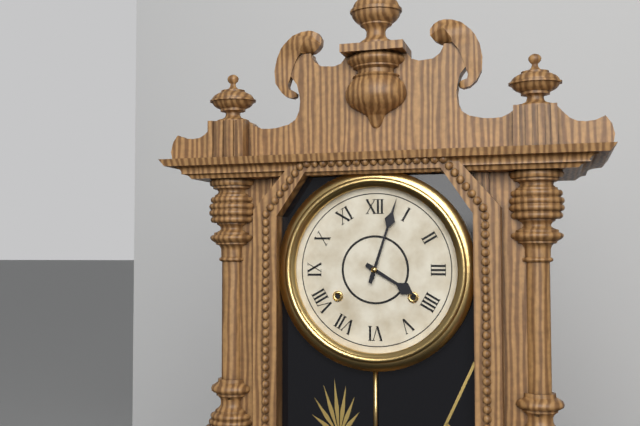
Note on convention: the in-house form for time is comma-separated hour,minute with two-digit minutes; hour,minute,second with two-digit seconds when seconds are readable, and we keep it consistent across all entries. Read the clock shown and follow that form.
4,03
